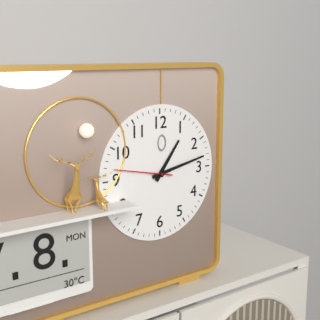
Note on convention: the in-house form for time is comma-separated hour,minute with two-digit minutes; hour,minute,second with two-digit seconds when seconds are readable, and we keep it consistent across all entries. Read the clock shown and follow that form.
1,13,47
